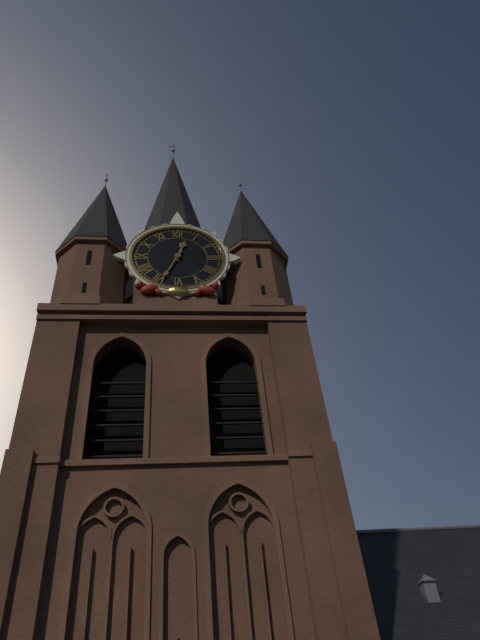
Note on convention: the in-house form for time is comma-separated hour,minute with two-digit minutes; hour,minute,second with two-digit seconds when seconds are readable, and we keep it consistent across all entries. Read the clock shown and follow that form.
12,34
